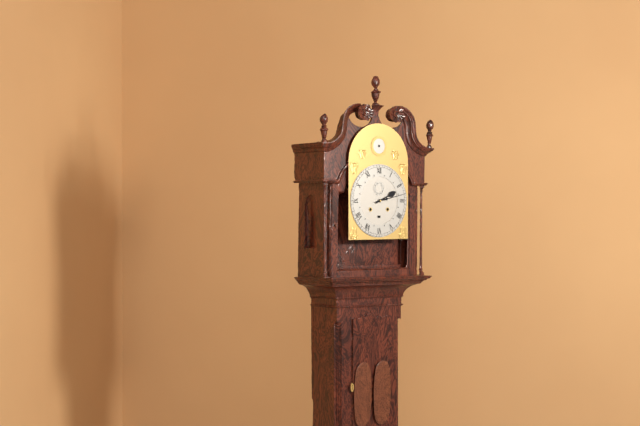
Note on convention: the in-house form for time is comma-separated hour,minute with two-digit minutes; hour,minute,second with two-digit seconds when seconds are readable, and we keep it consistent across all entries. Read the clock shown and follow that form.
2,13
